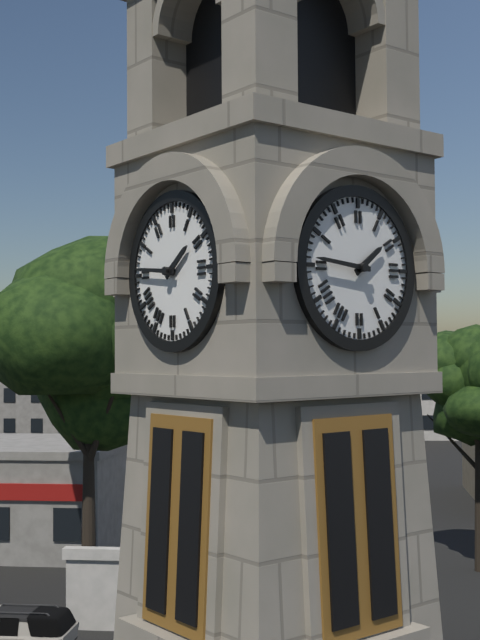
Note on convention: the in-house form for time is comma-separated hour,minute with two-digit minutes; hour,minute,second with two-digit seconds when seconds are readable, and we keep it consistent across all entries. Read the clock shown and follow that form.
1,46
